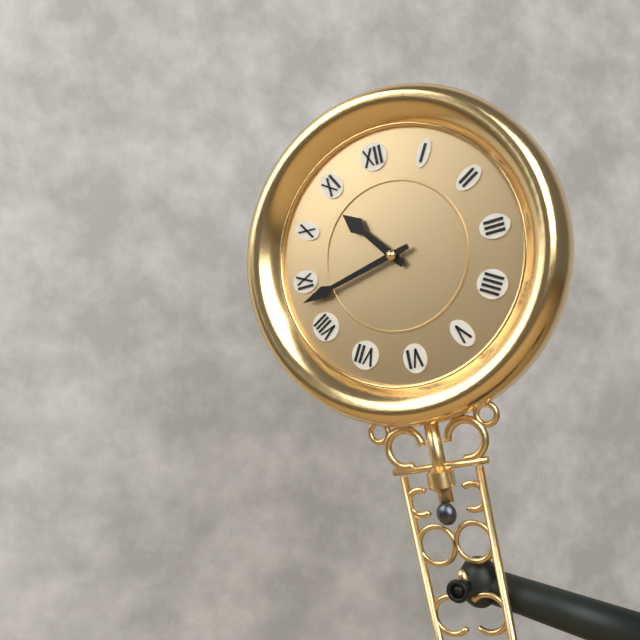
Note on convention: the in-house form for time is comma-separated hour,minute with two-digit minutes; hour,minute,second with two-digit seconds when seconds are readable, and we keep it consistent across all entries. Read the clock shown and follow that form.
10,43
